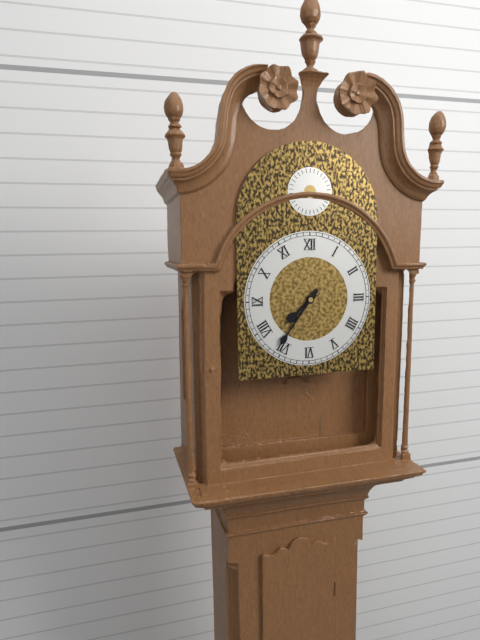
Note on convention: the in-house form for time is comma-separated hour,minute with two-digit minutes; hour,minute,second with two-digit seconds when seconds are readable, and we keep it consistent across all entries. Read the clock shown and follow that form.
7,36
